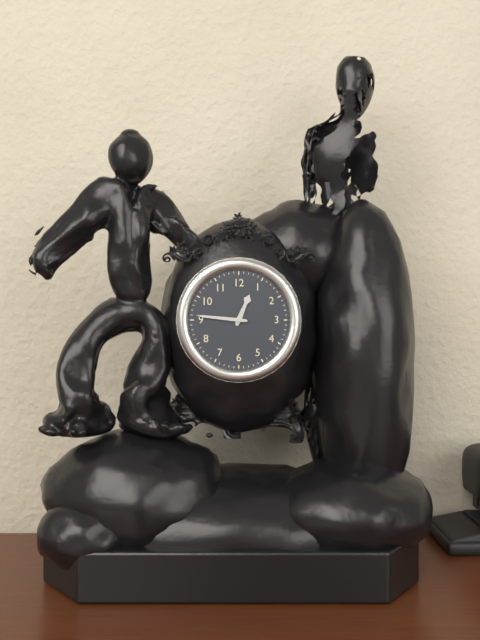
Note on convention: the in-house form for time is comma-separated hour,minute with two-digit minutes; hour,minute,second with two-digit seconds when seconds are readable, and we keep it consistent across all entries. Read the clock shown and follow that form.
12,46
